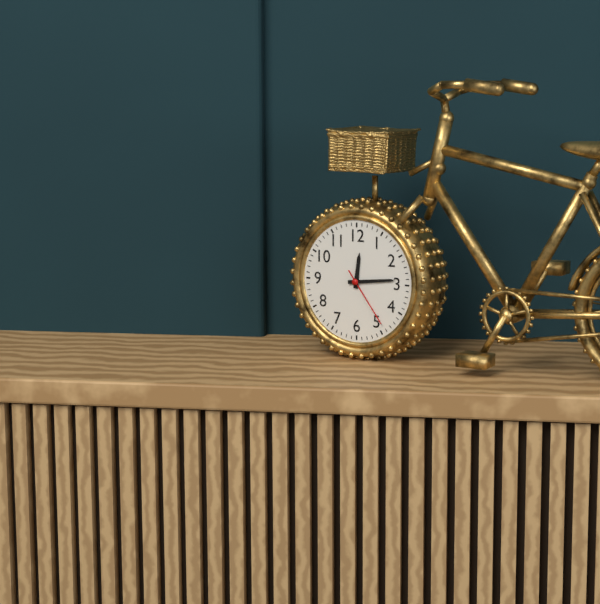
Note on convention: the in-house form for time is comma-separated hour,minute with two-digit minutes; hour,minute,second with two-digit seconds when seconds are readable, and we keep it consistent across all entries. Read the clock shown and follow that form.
12,14,24
